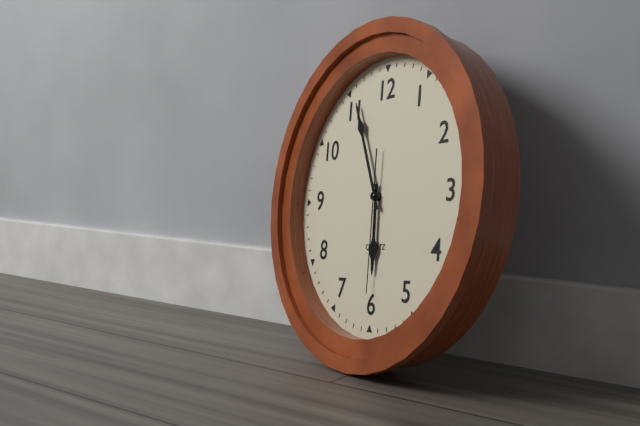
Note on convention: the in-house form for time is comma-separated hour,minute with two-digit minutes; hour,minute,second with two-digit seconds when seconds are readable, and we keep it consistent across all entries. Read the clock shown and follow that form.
5,56,30
